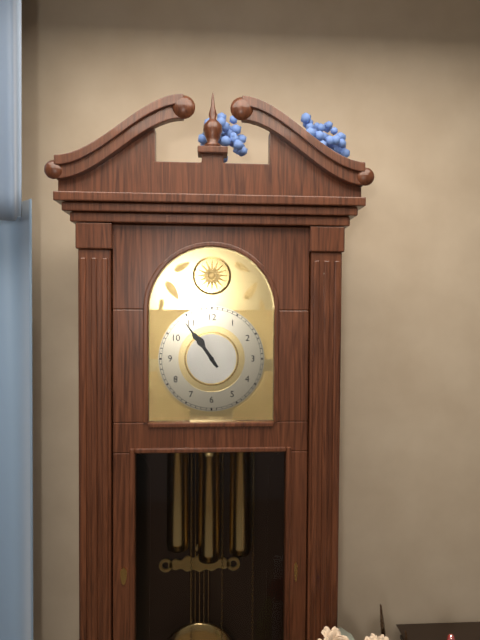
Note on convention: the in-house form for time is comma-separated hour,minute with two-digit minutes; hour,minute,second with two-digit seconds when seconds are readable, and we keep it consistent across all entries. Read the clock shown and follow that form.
10,54
